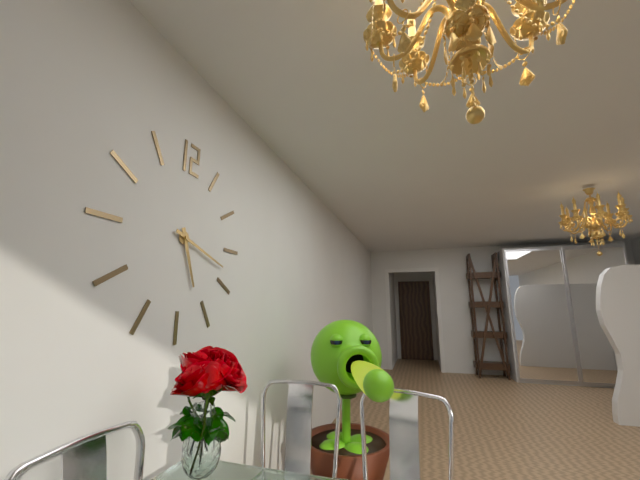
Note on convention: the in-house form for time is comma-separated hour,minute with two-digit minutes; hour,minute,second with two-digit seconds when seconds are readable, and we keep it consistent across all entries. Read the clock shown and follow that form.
5,18
